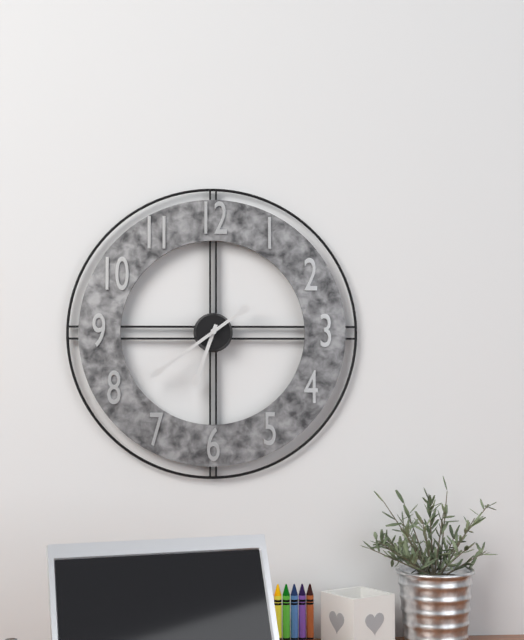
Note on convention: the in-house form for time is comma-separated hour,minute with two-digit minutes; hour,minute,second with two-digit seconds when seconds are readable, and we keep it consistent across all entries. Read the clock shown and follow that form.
6,39
